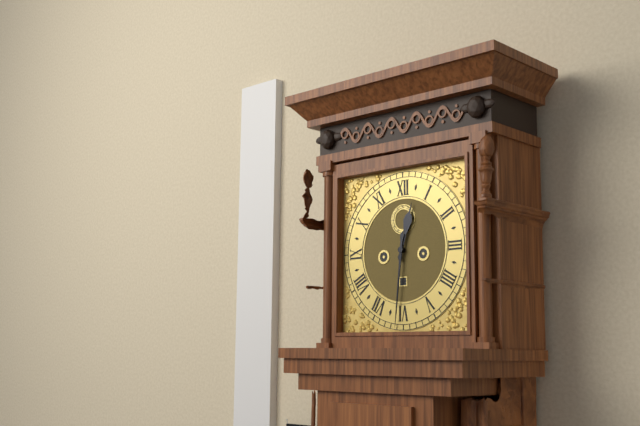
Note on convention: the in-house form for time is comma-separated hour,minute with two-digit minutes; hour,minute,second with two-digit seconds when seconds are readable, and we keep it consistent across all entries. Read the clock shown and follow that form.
12,31
